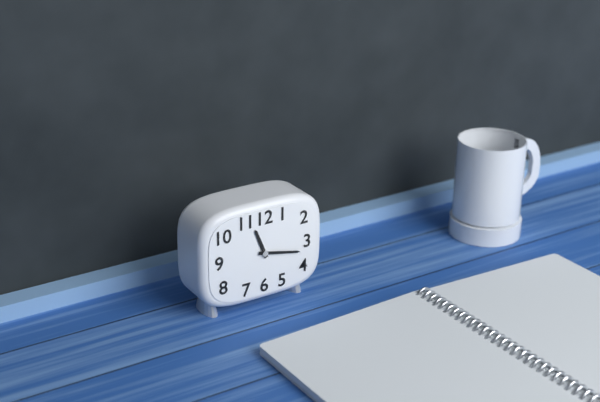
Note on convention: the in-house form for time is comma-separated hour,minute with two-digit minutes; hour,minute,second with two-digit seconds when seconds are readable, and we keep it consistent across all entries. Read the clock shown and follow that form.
11,17
